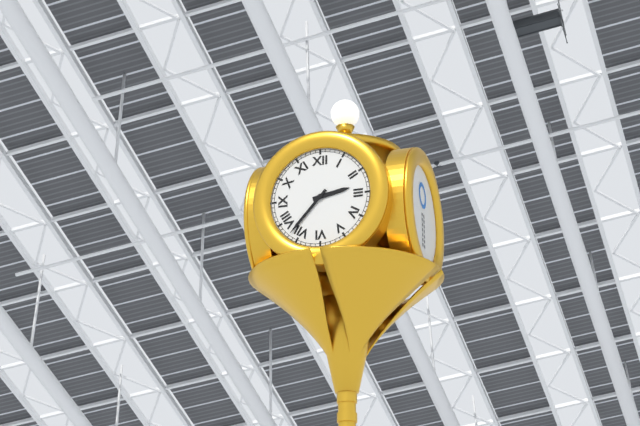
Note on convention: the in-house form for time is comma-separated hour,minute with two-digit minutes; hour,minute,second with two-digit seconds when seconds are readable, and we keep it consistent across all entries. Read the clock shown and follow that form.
2,37
